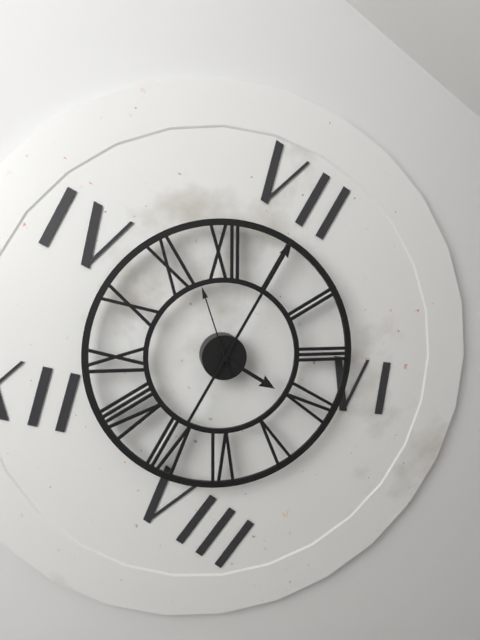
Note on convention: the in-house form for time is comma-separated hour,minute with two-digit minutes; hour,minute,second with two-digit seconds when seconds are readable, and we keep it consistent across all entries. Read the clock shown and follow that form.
4,05,57
